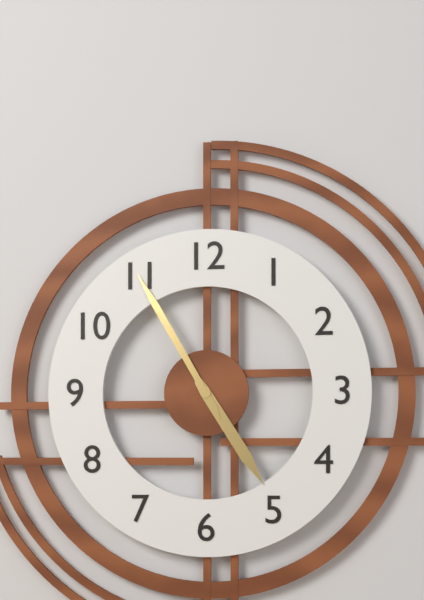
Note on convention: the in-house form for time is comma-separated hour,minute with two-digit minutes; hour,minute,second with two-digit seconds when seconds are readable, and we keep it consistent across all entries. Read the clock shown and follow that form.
4,55
